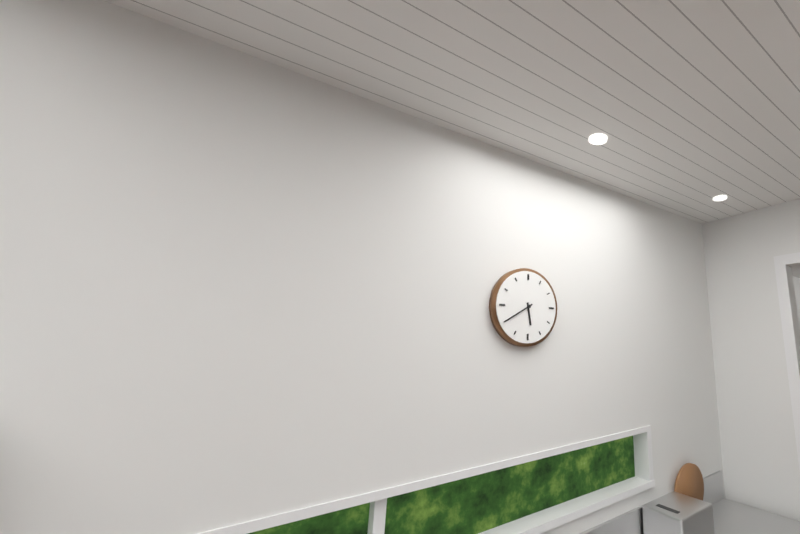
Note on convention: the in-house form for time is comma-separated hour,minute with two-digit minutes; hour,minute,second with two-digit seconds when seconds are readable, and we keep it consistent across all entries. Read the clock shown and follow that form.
5,40
